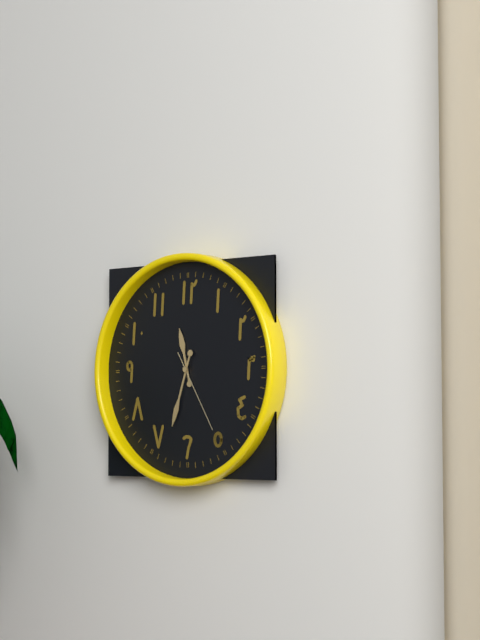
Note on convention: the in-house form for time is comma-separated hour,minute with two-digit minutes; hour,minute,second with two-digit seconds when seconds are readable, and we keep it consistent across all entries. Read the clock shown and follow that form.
11,33,25
